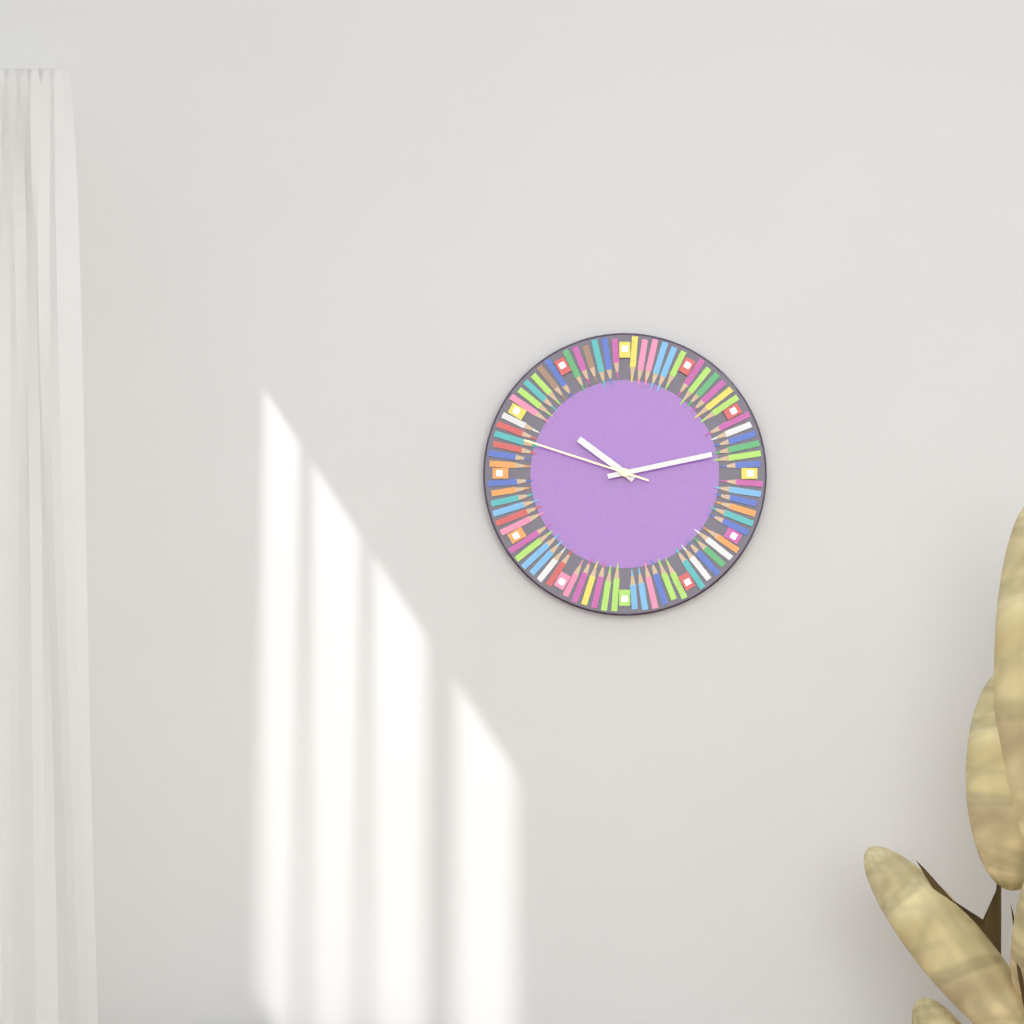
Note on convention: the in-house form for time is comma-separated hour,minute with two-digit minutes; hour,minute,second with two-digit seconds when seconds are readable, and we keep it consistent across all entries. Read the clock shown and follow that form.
10,13,48
